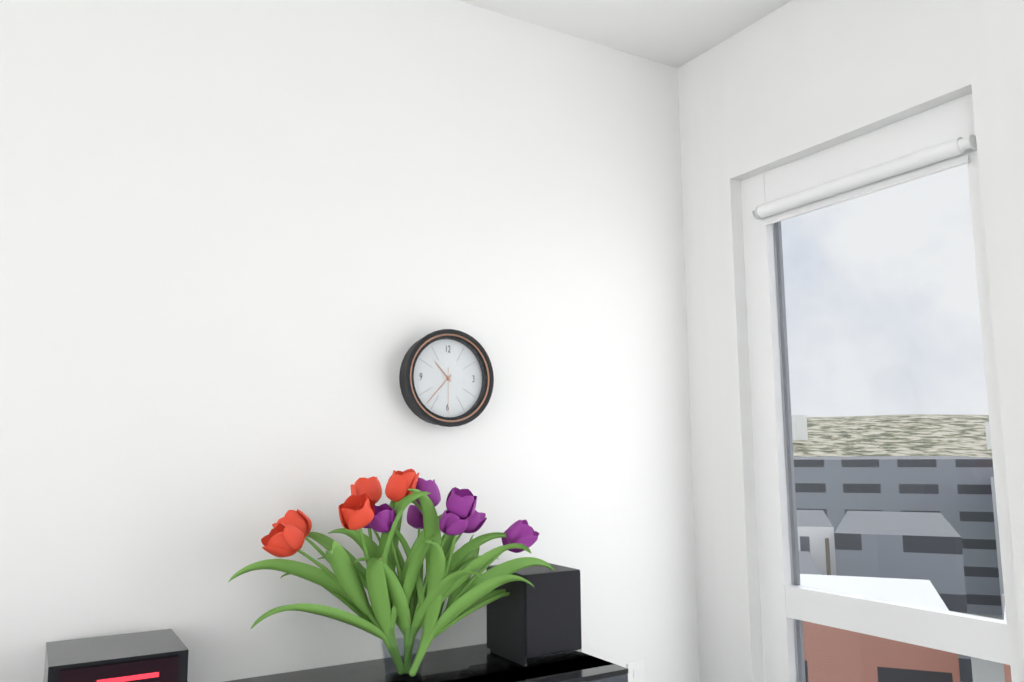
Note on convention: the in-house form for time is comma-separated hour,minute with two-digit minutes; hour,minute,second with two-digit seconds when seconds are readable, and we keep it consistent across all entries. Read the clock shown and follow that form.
10,37
